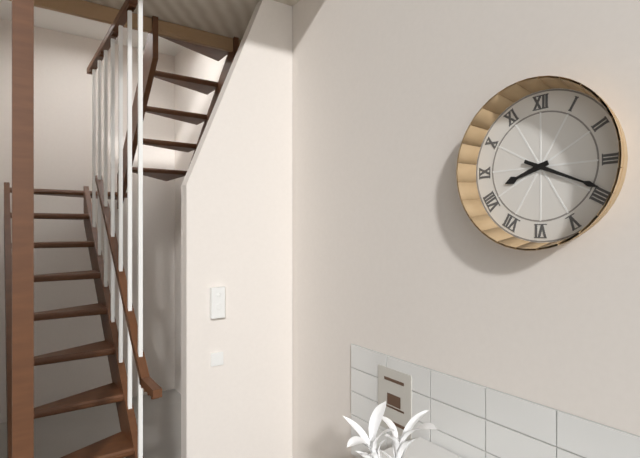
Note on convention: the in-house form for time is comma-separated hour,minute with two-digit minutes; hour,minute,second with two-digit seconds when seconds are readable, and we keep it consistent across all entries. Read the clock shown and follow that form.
8,19
